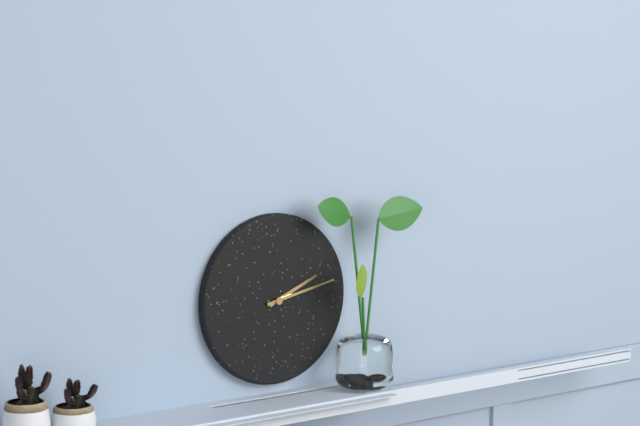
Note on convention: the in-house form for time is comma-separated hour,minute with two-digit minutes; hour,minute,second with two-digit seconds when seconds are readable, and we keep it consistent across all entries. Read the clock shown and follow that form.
2,13
